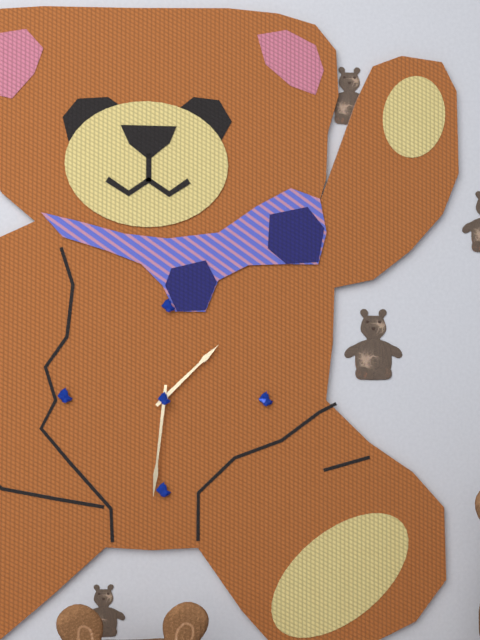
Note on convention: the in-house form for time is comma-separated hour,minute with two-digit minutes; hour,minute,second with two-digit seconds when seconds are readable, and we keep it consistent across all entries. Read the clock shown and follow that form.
1,31
